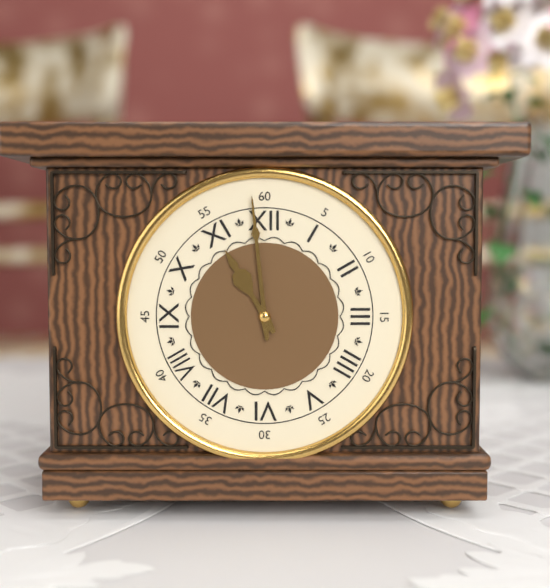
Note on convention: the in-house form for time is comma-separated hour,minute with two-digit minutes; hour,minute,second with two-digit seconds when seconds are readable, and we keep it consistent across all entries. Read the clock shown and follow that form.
10,59
